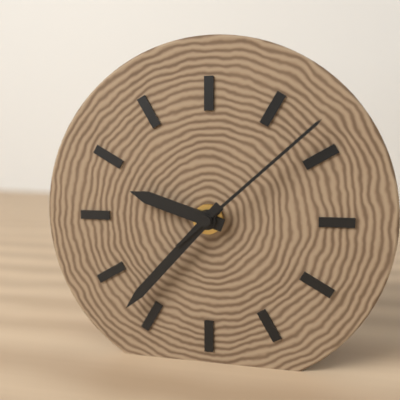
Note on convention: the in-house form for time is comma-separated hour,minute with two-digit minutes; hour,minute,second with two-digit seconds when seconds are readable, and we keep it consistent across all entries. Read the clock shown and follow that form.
9,37,08
